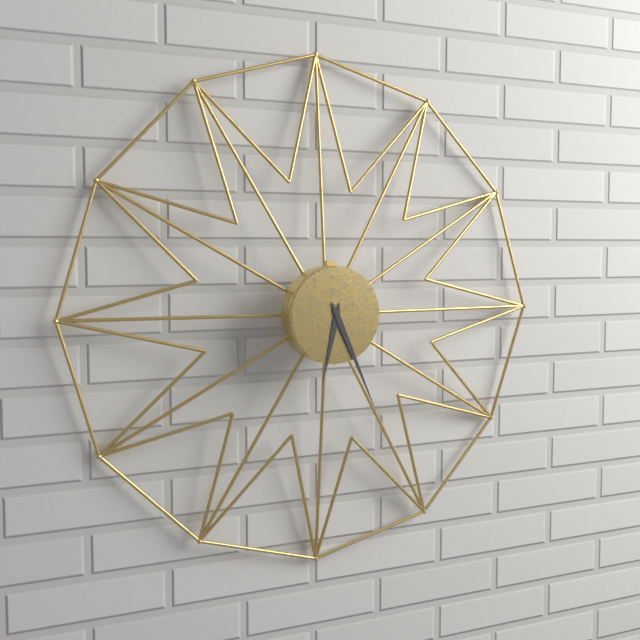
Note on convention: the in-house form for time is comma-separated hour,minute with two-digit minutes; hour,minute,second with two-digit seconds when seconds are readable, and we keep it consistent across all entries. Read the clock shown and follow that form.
6,26
